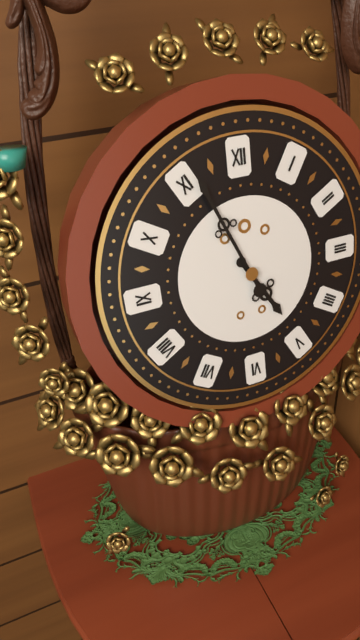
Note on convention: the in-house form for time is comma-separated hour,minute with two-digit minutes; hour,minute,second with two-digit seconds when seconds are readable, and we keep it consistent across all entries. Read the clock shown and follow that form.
4,56
